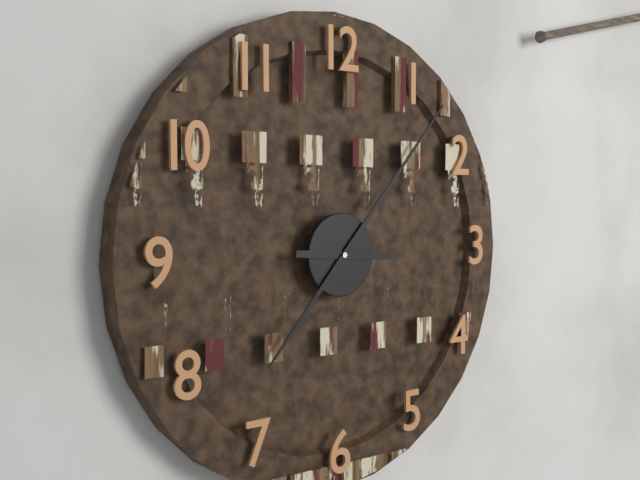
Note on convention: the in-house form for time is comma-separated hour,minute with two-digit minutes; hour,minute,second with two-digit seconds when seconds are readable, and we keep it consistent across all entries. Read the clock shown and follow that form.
3,07
